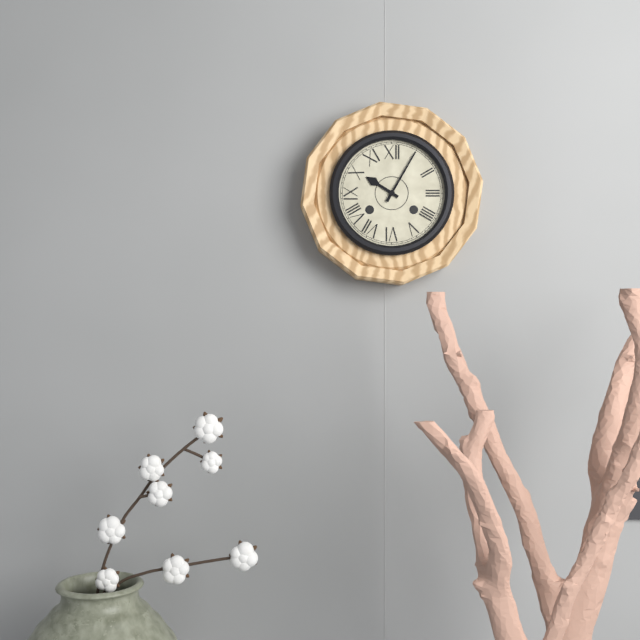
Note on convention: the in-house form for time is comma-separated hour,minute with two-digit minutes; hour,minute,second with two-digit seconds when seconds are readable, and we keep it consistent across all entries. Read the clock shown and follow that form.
10,05
